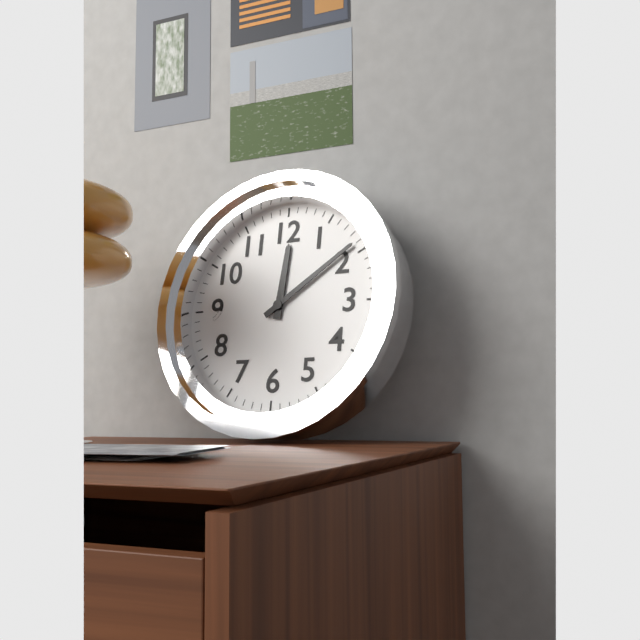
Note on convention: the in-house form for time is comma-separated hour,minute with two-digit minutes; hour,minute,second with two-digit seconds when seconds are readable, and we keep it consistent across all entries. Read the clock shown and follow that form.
12,09
